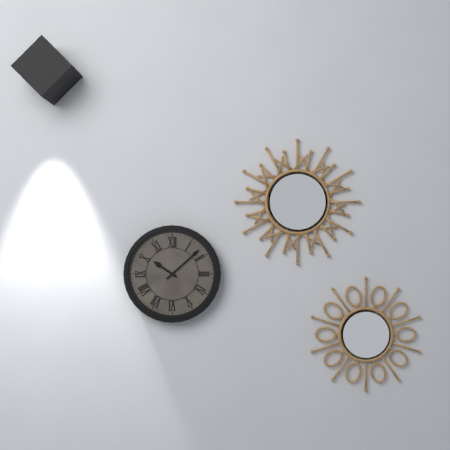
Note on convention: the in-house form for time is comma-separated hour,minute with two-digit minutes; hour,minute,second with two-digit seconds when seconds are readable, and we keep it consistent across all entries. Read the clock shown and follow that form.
10,08
